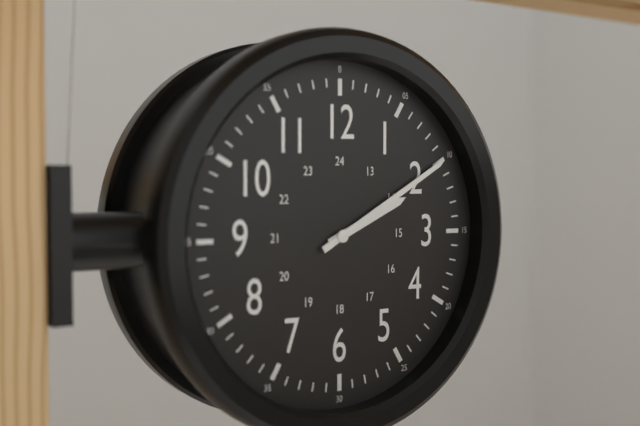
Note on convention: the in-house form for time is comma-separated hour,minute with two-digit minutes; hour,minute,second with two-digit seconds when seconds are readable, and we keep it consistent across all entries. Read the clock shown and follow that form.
2,10
